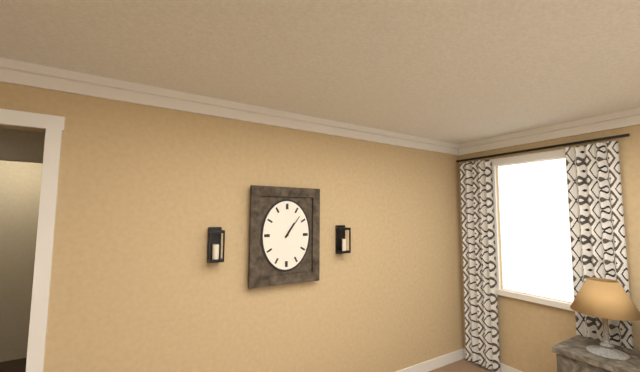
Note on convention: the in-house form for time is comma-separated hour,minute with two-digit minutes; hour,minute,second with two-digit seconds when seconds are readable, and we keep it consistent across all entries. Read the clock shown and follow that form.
1,06
